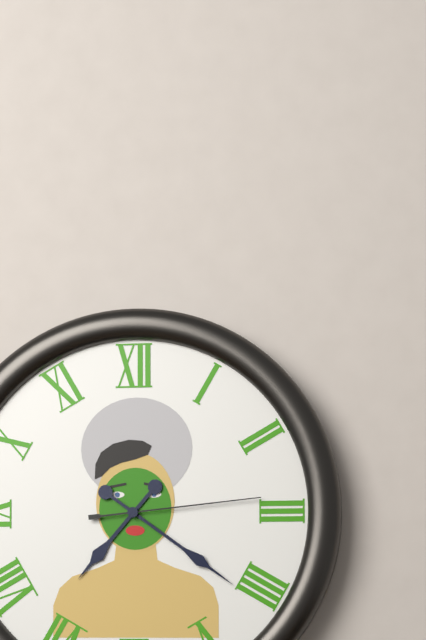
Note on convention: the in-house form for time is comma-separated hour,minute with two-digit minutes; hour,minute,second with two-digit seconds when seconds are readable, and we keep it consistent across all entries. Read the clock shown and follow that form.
7,21,14
